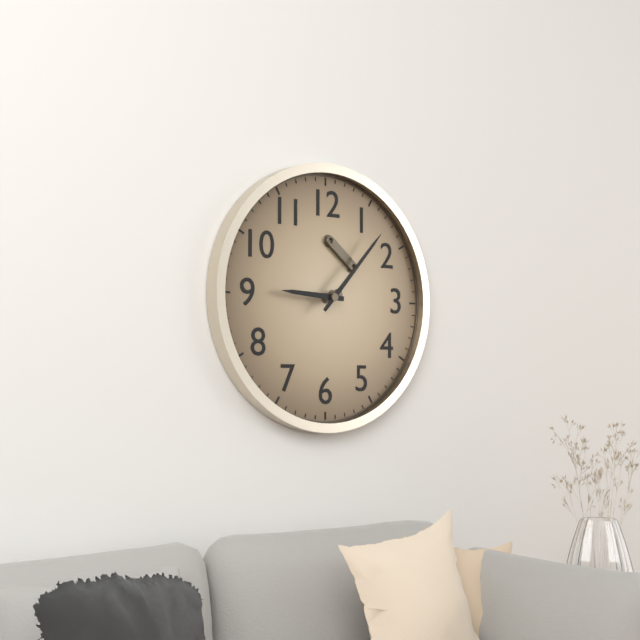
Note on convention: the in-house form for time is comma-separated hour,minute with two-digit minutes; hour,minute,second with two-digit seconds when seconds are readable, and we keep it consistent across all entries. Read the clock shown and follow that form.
9,07
